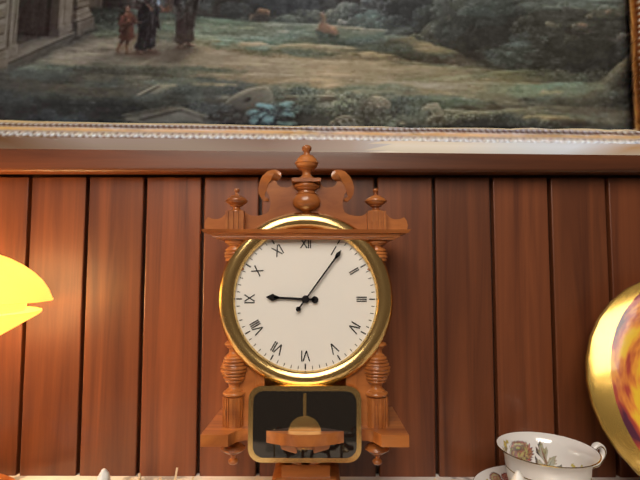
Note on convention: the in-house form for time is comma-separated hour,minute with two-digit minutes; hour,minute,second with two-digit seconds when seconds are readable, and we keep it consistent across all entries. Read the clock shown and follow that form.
9,06
